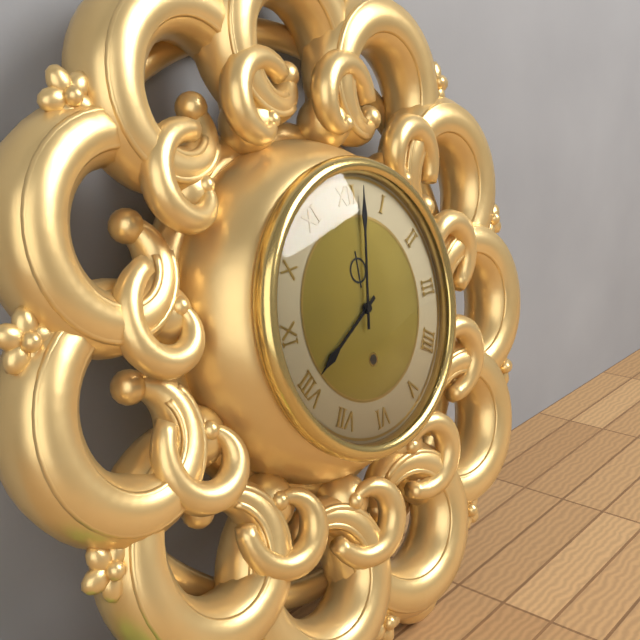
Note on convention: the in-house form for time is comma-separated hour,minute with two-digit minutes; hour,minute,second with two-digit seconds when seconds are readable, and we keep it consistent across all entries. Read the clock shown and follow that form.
8,02
